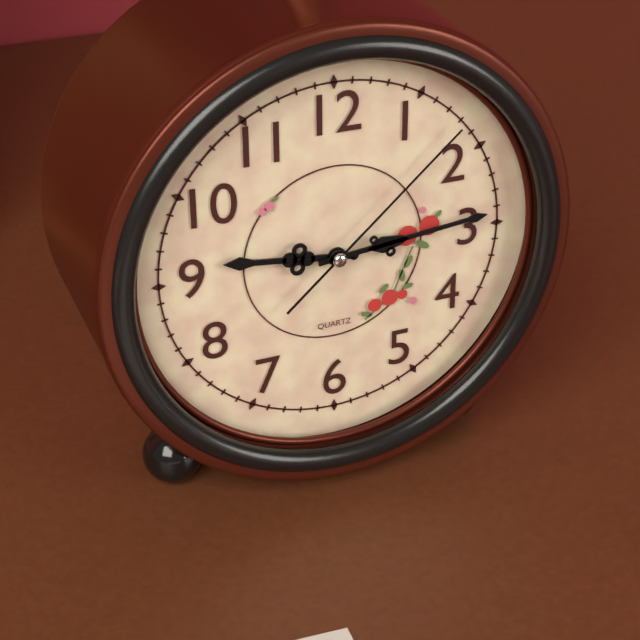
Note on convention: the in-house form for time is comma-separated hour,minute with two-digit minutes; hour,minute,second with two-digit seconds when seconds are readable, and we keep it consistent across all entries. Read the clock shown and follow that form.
9,14,08
